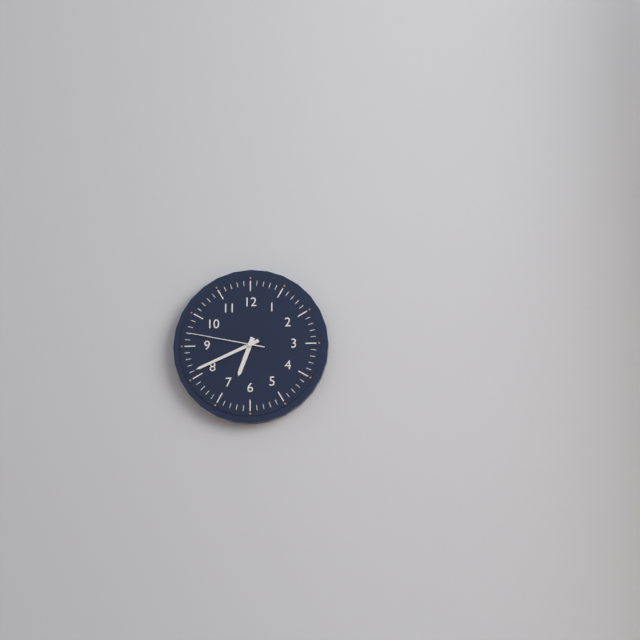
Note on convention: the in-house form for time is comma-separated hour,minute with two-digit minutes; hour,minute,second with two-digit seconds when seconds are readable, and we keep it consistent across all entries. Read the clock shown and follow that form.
6,41,47
